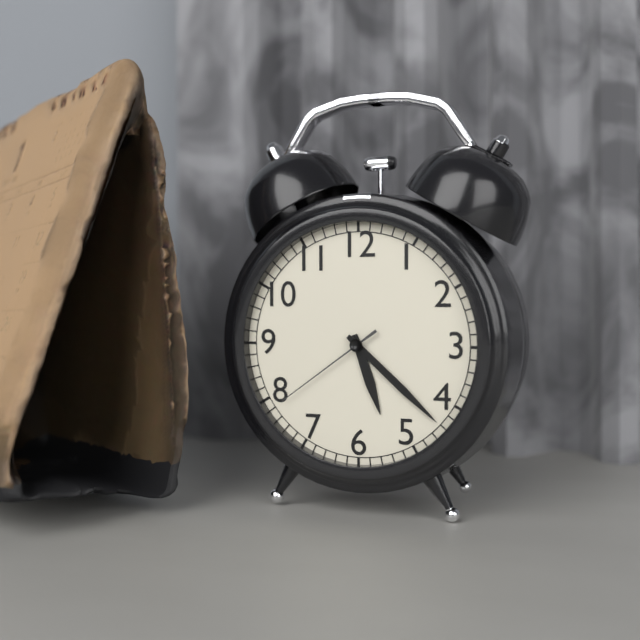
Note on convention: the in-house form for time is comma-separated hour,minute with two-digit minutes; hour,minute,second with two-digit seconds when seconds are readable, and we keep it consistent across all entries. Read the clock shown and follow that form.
5,22,39
